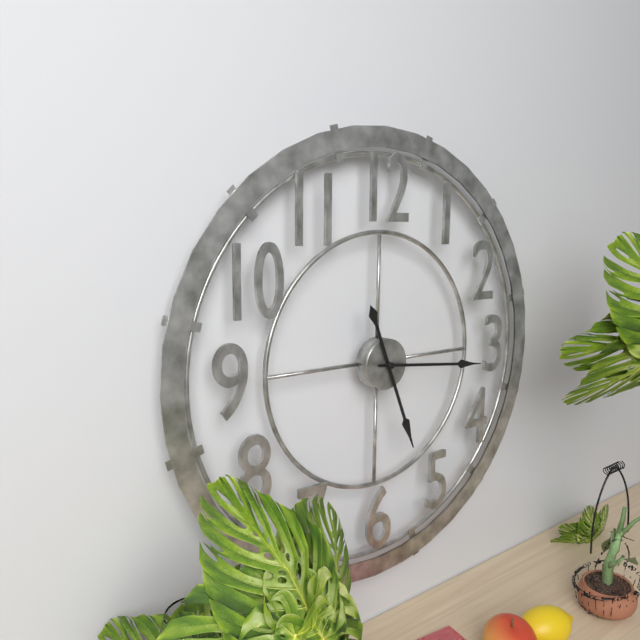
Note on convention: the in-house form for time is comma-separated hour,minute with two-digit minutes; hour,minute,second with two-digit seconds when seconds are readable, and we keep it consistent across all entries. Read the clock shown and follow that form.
5,16
